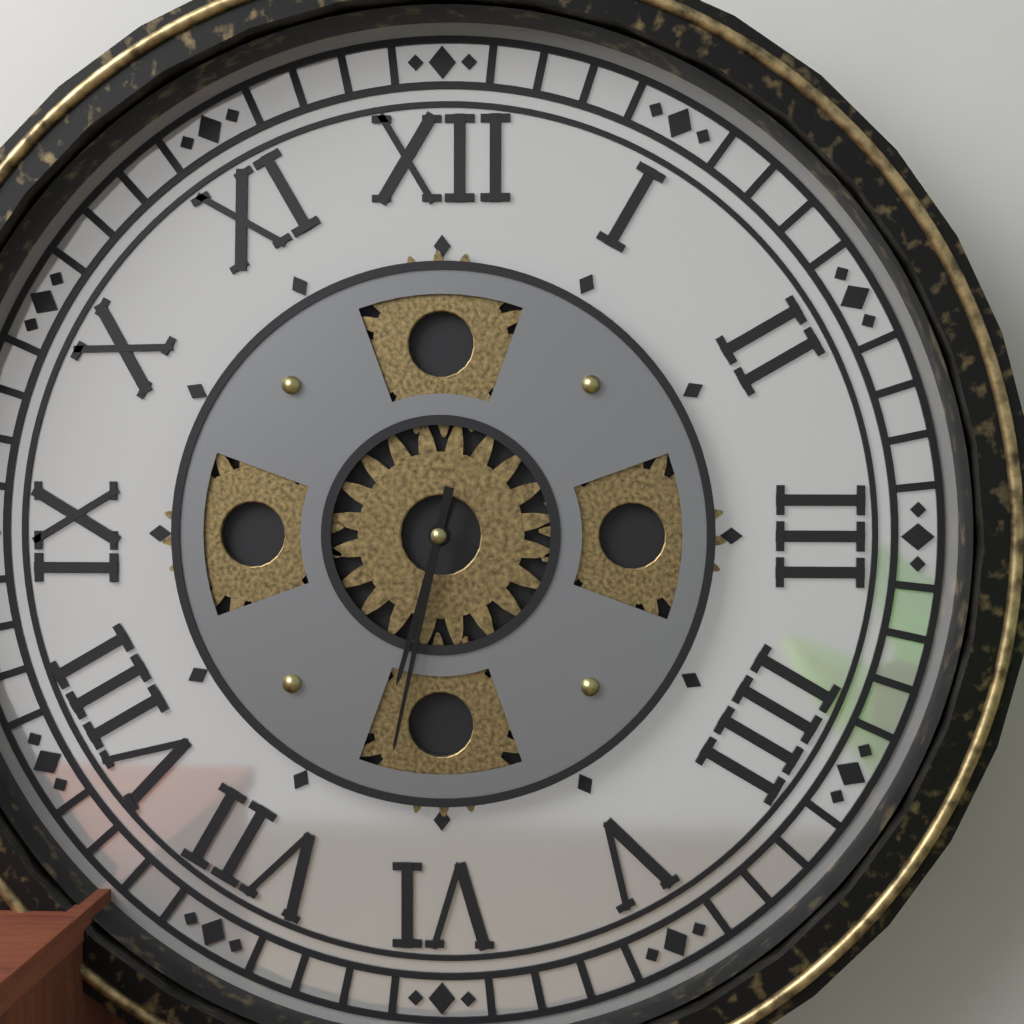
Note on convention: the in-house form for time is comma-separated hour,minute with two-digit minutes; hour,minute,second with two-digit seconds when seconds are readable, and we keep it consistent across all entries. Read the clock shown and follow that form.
6,32
